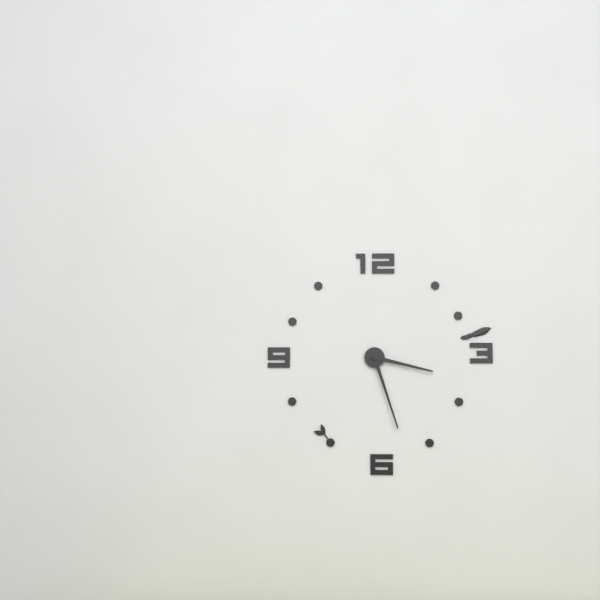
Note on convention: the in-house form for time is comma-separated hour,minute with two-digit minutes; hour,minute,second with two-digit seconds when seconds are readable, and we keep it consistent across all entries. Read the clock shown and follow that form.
3,27
